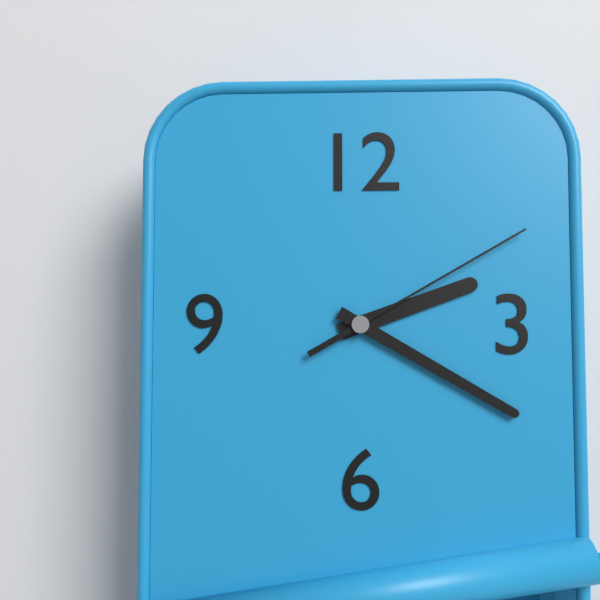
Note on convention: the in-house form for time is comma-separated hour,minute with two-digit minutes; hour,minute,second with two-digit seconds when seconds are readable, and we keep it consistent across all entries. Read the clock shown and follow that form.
2,20,10
